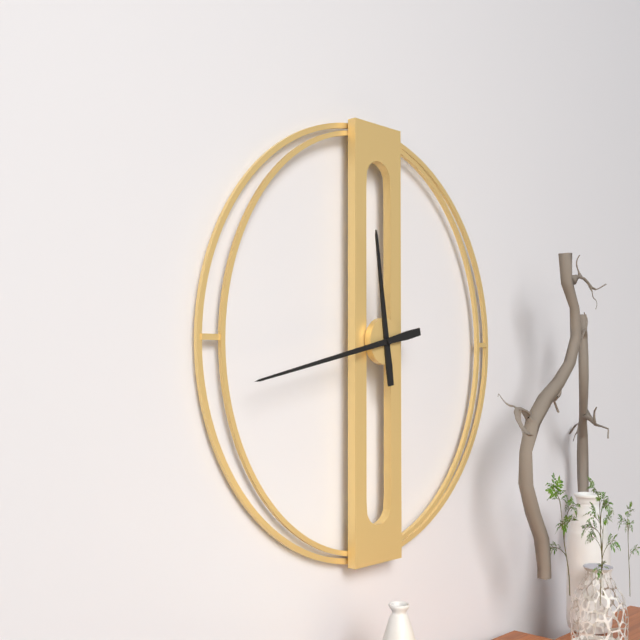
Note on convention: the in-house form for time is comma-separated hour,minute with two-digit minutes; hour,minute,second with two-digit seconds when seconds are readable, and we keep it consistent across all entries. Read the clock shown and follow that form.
11,43
